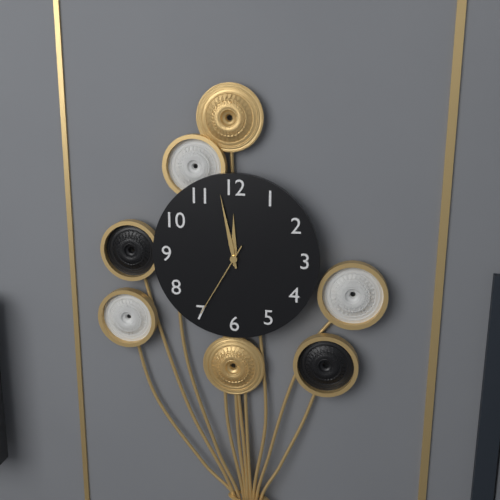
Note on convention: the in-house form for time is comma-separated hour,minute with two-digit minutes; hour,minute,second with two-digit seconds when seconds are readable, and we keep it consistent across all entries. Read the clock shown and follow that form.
11,58,35
